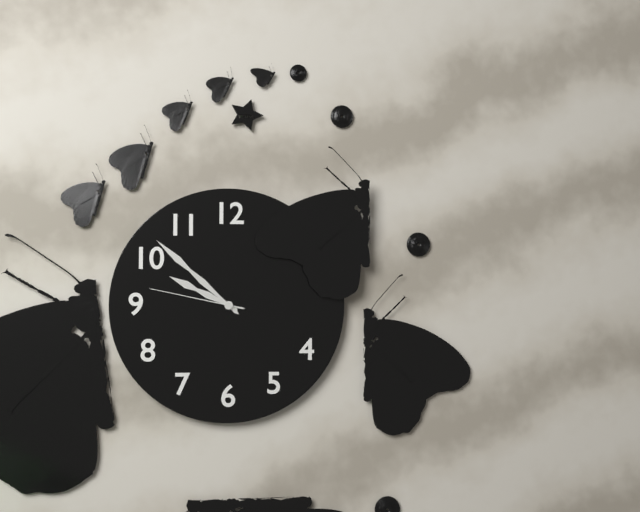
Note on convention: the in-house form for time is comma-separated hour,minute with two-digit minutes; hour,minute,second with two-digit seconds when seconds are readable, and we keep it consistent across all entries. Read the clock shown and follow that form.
9,52,47
